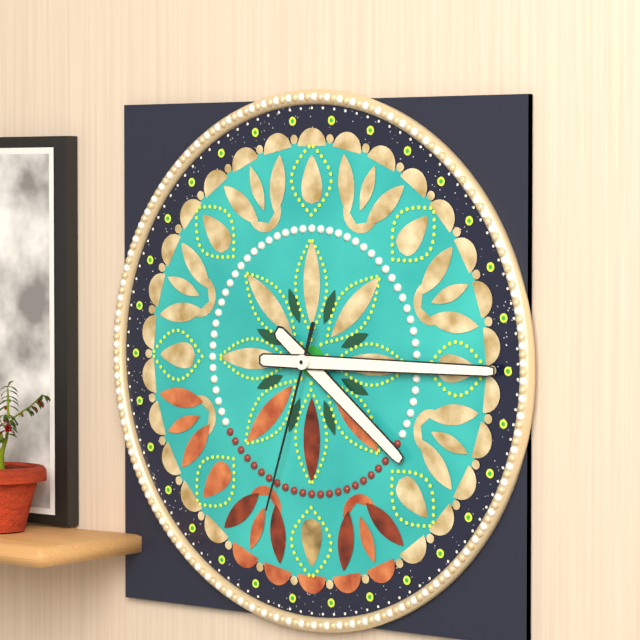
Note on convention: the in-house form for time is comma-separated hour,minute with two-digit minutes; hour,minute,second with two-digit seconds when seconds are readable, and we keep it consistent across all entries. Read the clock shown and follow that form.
4,15,33
